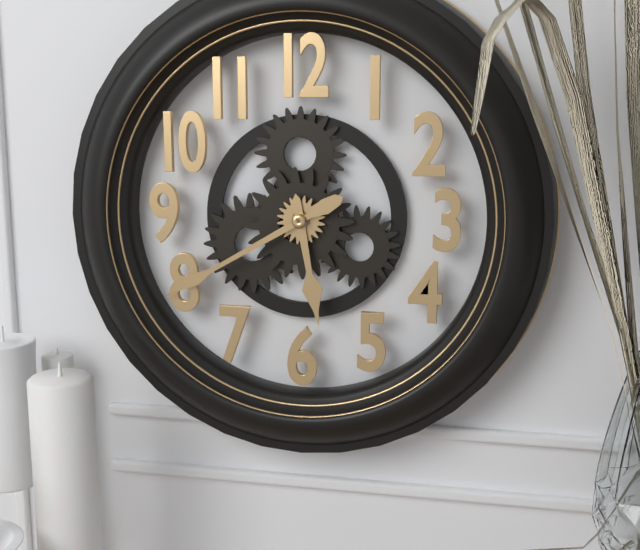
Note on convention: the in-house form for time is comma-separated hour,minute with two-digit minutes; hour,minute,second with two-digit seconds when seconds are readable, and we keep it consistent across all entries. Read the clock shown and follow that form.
5,40
